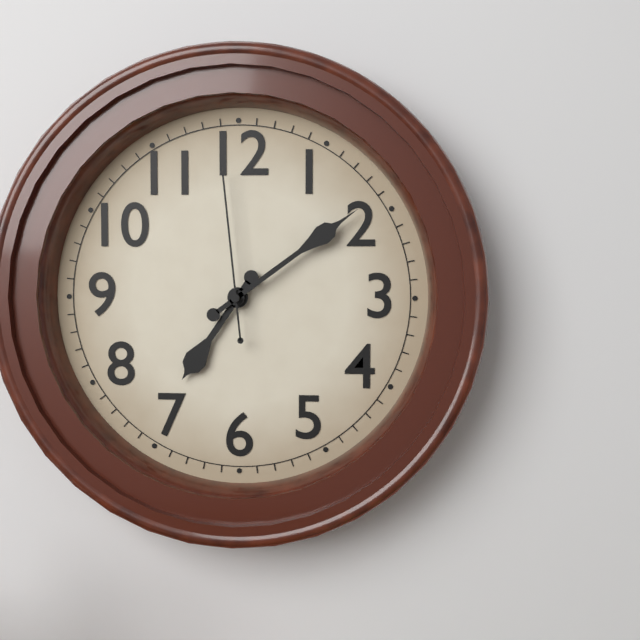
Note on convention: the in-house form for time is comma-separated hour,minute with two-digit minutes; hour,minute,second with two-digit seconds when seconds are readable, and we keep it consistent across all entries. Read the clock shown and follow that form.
7,09,59
